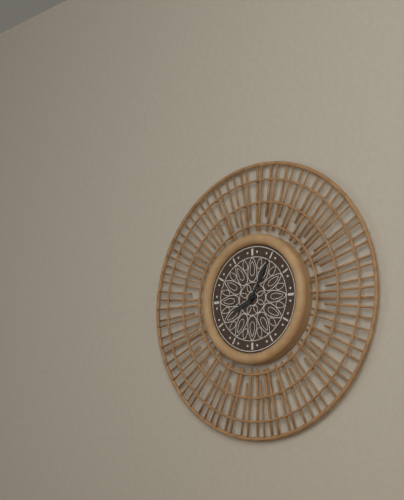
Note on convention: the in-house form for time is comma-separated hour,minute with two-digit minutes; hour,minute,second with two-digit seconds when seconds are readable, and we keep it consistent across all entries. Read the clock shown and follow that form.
8,05
